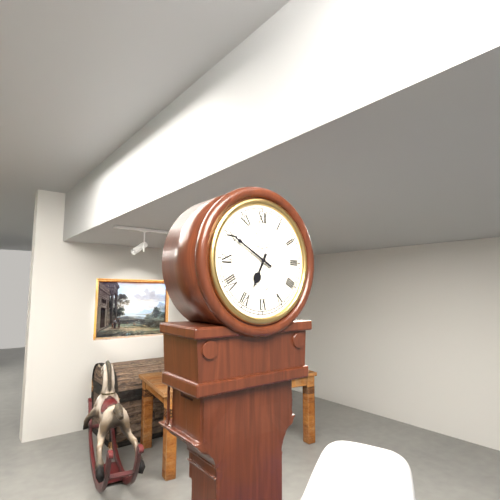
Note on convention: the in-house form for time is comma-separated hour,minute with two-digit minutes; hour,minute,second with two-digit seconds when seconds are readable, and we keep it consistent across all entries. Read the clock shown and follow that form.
6,50
